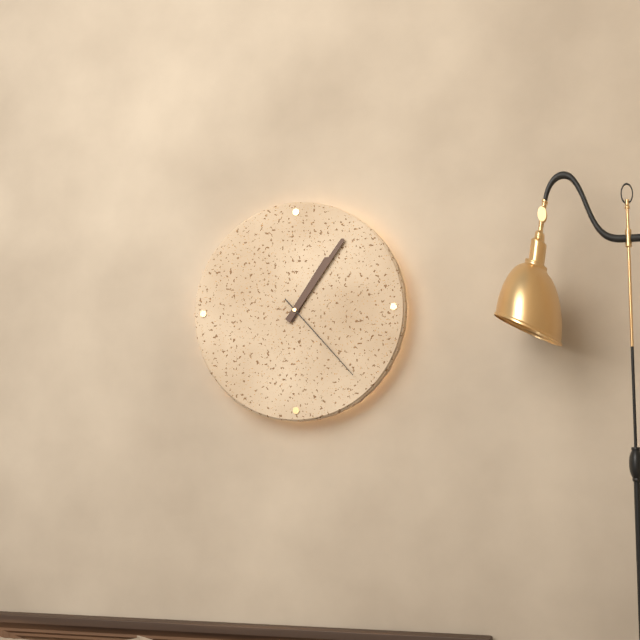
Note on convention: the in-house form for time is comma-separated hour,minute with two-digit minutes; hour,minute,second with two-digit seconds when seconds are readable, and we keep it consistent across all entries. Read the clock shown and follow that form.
1,06,23
